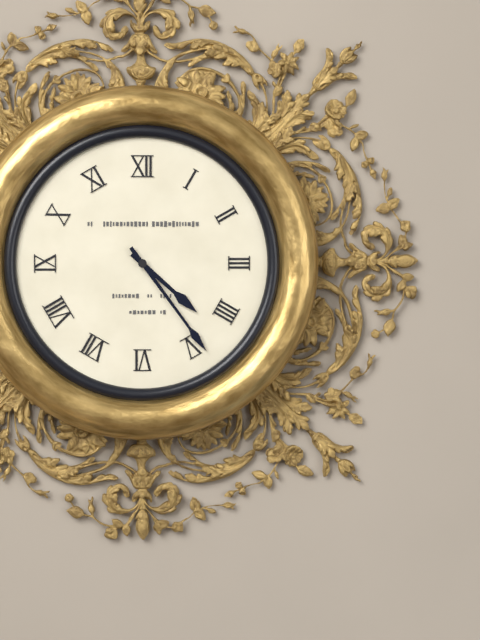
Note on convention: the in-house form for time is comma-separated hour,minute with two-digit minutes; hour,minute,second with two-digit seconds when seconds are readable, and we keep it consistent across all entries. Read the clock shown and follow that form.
4,24
